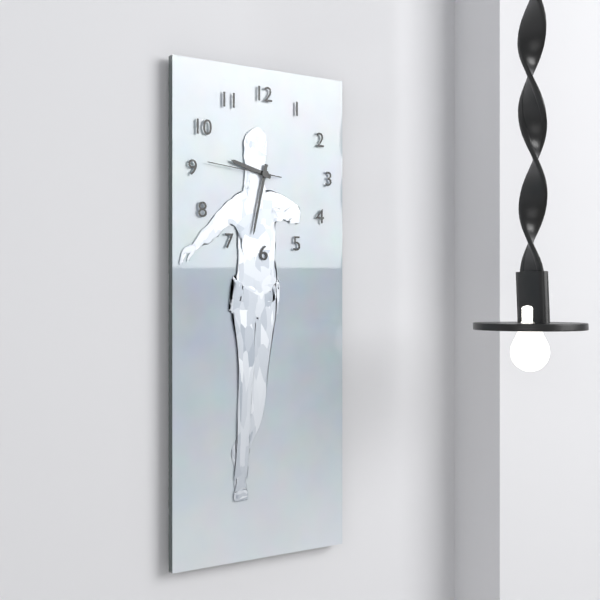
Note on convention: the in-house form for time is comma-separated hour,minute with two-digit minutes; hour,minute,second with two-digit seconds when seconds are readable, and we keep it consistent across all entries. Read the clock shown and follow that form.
9,32,46
